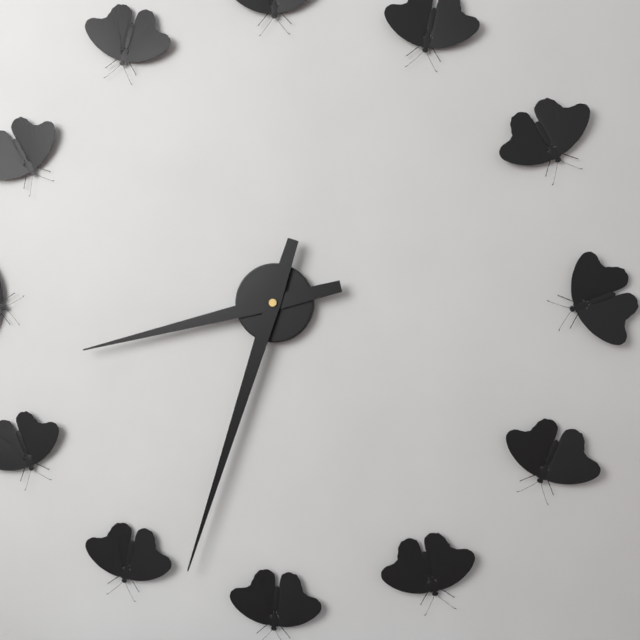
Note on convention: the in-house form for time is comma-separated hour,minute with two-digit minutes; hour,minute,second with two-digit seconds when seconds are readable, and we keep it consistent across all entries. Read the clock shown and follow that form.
8,33
